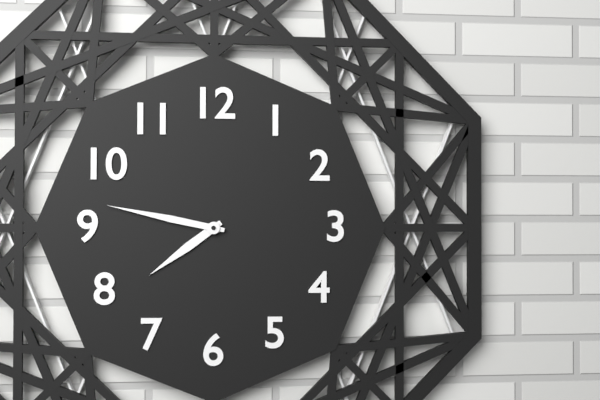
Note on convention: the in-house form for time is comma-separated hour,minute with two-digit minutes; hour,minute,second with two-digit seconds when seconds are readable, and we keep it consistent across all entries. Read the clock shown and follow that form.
7,47
